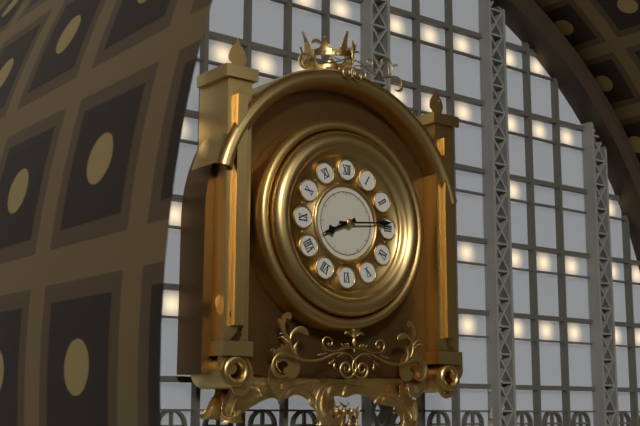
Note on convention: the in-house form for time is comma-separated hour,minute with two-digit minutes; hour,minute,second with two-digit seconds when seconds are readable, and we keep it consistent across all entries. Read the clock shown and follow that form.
8,14
